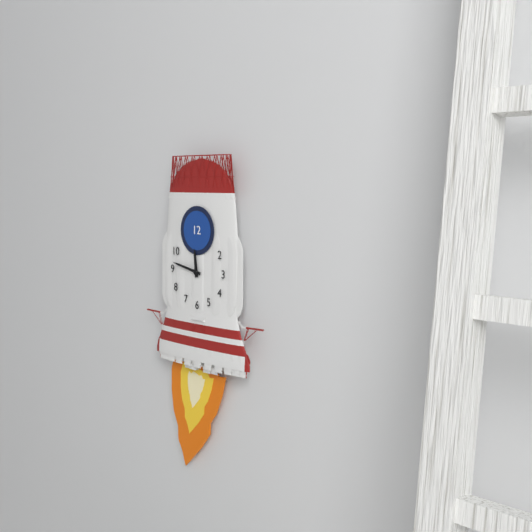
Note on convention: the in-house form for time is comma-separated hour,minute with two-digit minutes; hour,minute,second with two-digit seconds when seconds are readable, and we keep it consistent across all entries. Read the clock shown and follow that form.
11,47
